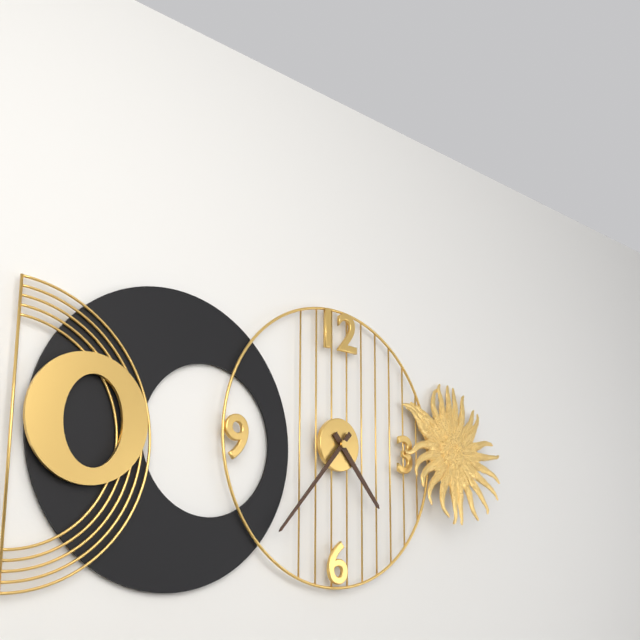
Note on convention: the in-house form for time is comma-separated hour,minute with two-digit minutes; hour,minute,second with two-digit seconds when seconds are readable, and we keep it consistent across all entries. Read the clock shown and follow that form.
4,37
